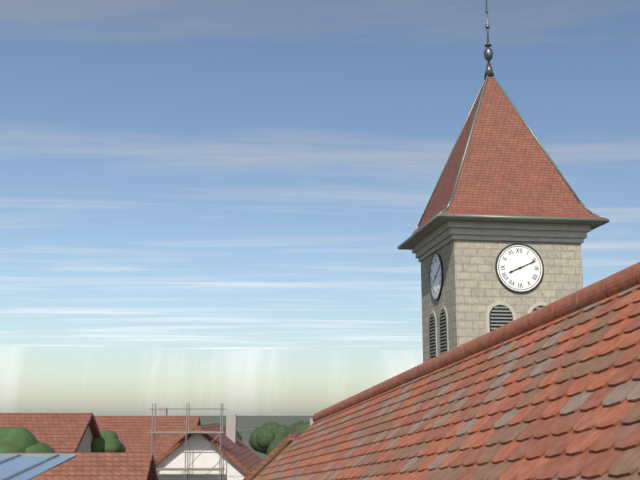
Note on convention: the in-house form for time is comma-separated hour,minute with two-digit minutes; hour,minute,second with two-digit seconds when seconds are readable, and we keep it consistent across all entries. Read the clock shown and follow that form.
8,11
